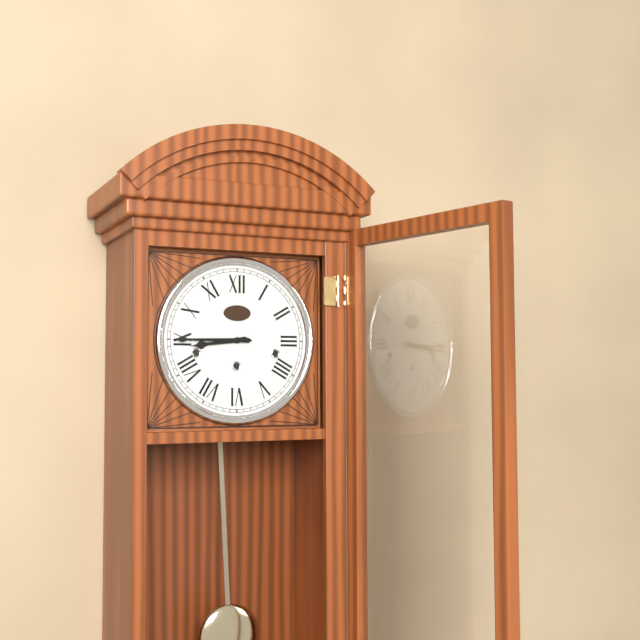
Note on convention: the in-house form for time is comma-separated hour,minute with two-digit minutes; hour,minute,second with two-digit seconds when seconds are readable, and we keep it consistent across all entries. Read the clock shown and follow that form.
8,45
